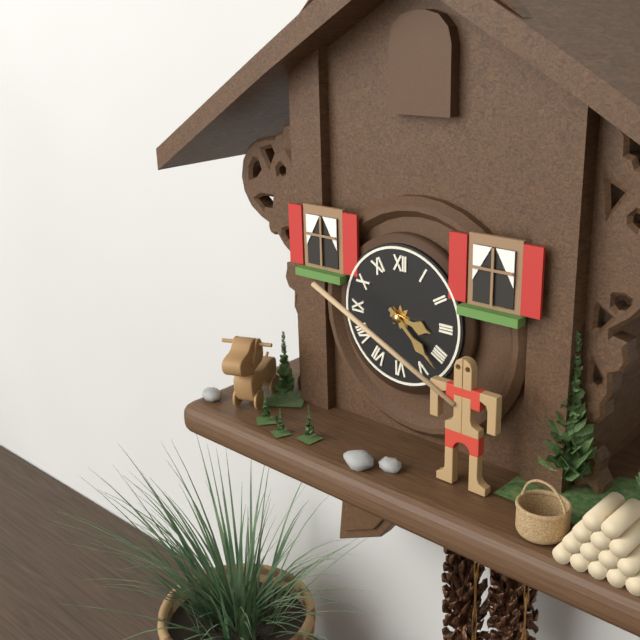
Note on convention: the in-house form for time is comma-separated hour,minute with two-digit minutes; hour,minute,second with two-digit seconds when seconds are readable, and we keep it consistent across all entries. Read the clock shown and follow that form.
3,22
